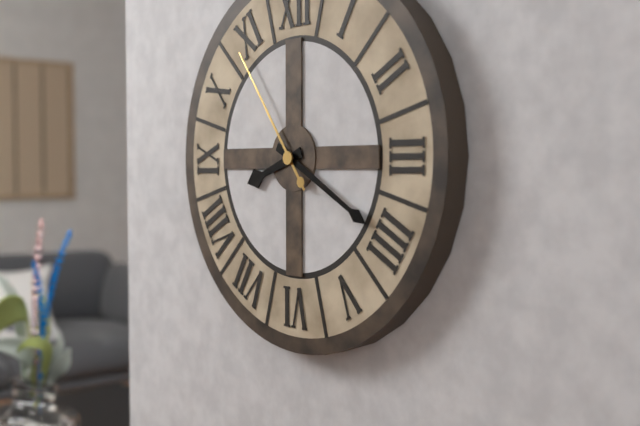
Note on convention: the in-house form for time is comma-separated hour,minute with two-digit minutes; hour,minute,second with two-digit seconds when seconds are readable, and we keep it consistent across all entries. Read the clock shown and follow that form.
8,20,54
